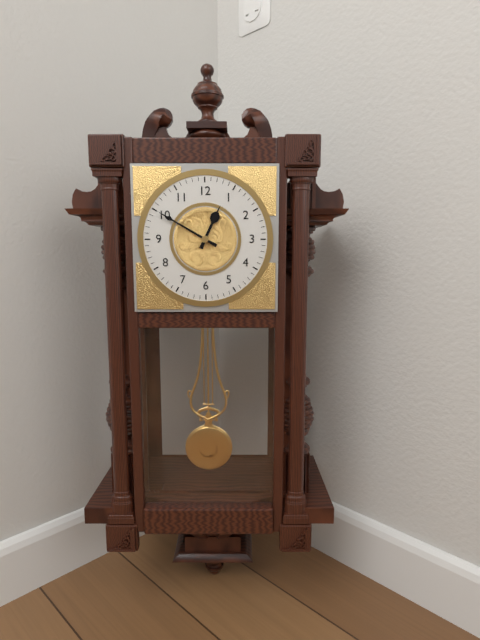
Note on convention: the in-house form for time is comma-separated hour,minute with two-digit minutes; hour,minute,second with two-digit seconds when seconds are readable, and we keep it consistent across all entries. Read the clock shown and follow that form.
12,50
